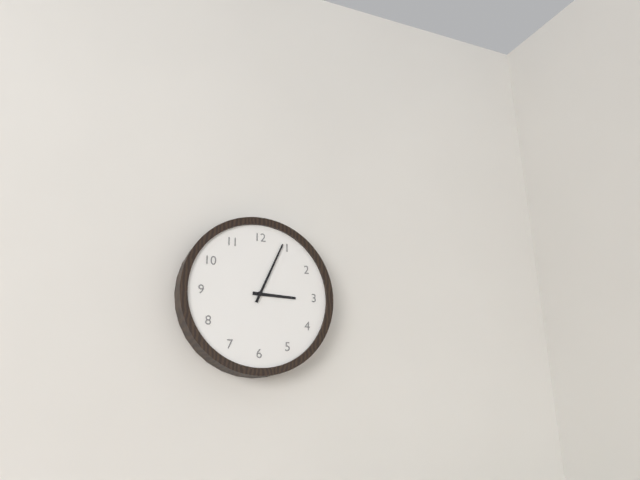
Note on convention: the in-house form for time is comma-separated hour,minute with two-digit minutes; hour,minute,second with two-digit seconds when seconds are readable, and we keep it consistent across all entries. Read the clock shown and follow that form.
3,04
